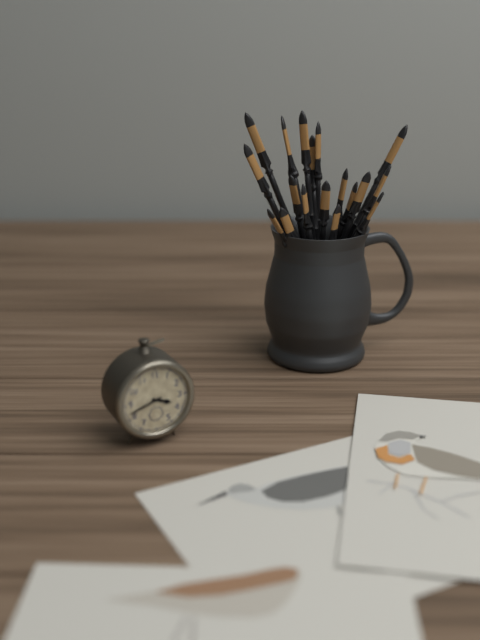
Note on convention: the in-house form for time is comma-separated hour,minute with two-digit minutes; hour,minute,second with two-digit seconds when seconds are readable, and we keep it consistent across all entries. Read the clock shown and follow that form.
3,42
